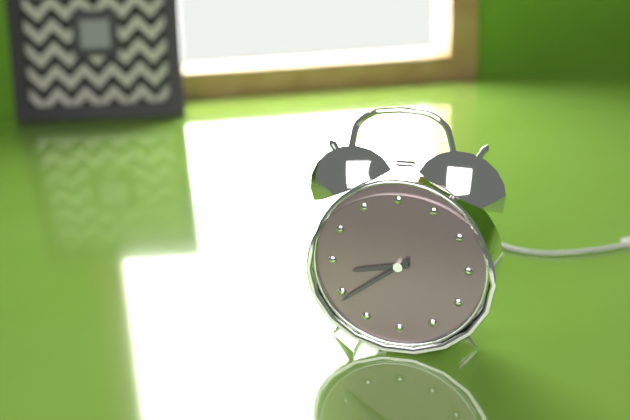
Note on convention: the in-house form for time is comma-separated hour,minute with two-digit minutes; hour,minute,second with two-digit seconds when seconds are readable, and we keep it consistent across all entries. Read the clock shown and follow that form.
8,39
